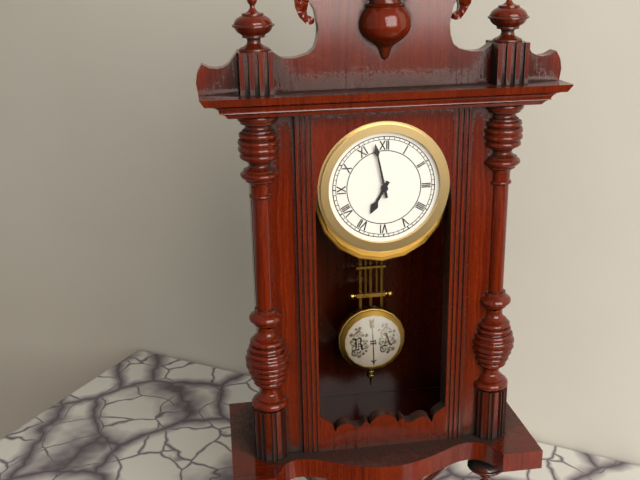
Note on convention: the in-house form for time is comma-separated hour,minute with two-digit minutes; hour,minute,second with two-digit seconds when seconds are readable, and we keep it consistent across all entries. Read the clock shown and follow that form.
6,58
